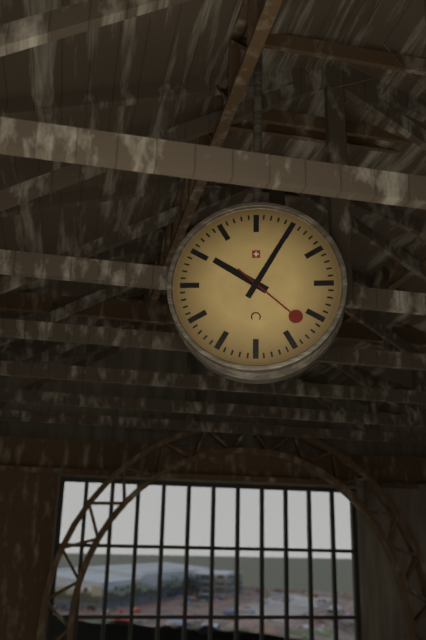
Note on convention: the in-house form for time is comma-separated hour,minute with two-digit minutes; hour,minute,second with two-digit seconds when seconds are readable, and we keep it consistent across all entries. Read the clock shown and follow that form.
10,05,22
